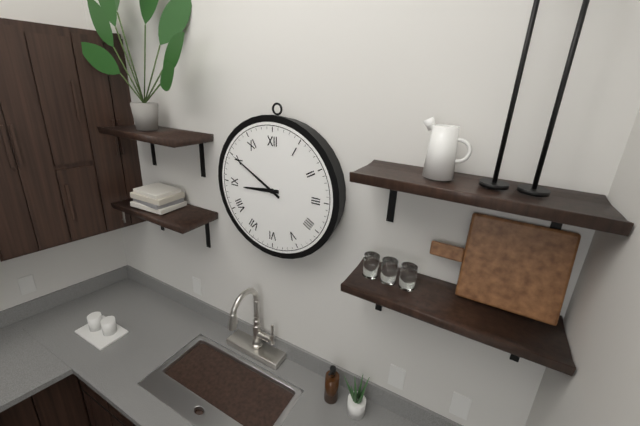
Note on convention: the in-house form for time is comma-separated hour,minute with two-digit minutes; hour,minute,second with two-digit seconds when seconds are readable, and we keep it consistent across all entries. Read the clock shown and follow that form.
8,50
